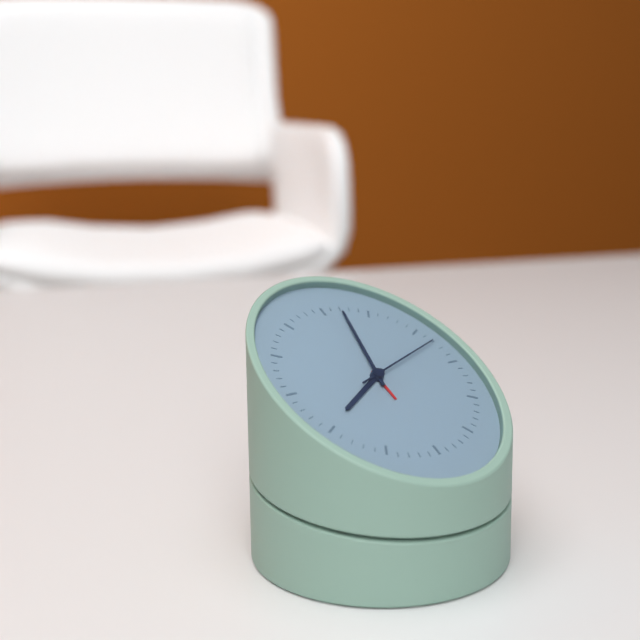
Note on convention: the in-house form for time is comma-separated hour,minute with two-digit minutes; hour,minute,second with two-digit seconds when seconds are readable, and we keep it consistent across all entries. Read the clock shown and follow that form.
8,02,12
